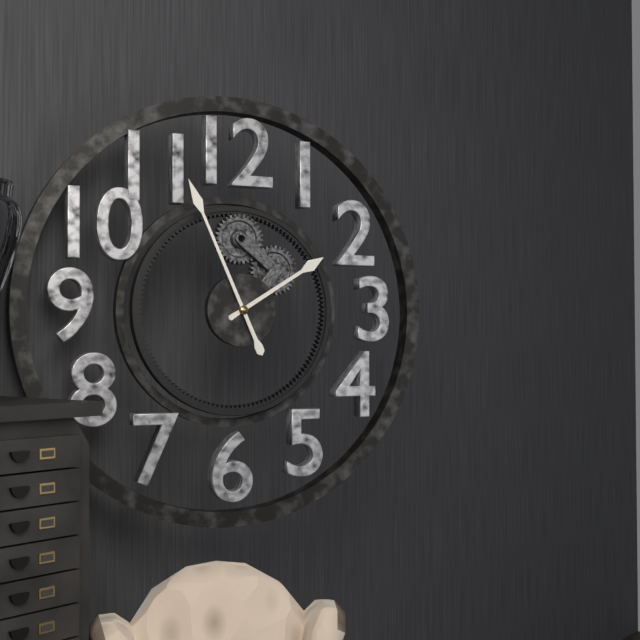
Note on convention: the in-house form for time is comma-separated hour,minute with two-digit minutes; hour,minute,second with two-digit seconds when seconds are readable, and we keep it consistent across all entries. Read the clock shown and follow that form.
1,56
